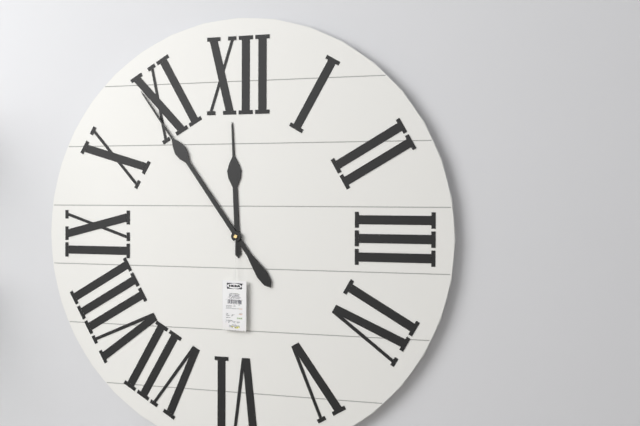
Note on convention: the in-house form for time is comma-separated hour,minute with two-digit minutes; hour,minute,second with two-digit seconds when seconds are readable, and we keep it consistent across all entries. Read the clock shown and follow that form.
11,54
